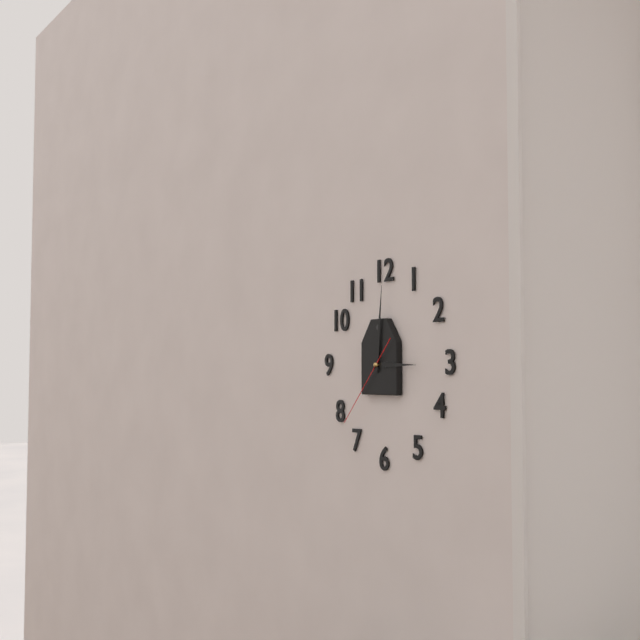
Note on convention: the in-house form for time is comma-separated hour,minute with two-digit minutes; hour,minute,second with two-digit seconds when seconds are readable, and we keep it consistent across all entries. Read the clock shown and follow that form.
3,01,37
